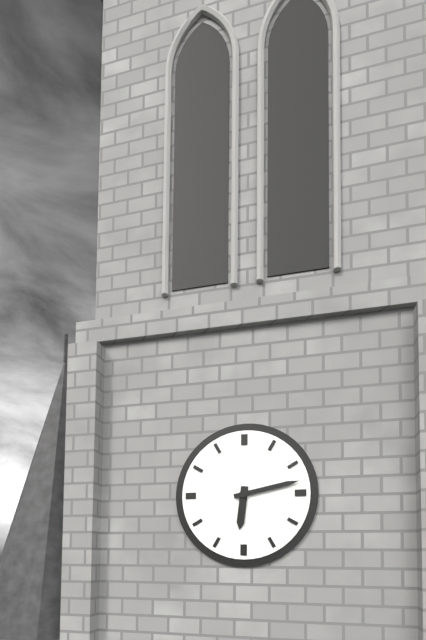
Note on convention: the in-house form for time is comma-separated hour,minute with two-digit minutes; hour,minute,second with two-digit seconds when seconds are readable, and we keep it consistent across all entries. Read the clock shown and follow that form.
6,13
